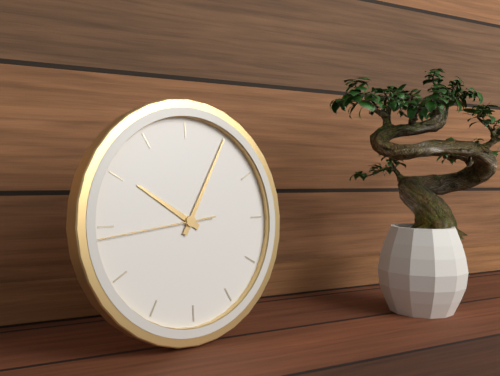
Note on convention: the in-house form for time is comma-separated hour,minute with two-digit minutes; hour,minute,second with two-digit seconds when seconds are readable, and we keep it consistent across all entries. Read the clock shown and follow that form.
10,05,44
